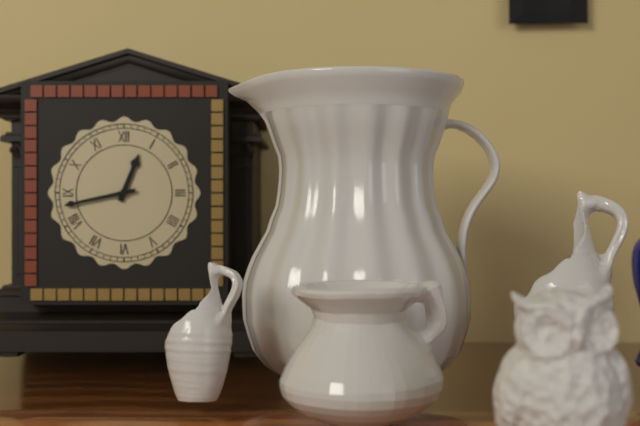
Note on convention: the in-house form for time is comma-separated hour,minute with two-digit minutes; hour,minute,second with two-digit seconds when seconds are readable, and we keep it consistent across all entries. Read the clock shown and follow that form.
12,43
